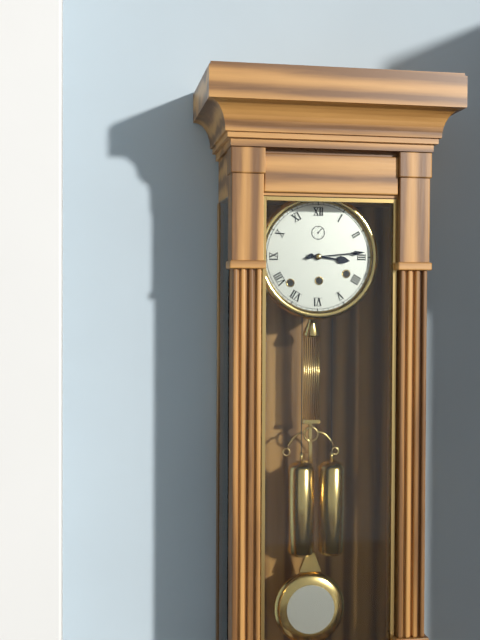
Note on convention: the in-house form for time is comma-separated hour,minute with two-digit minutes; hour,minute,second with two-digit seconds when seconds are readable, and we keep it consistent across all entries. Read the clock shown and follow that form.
3,14
